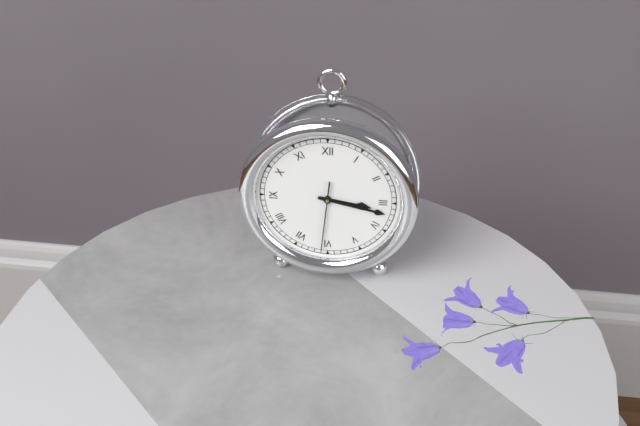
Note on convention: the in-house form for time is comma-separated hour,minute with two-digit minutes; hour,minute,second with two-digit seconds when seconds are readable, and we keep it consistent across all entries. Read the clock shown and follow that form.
3,17,31
